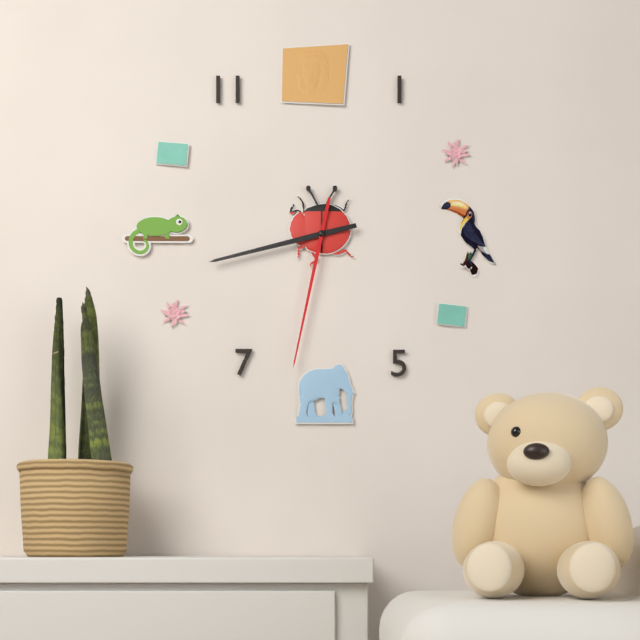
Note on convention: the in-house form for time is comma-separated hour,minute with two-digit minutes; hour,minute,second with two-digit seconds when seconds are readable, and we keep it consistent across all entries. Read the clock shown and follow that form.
8,32
